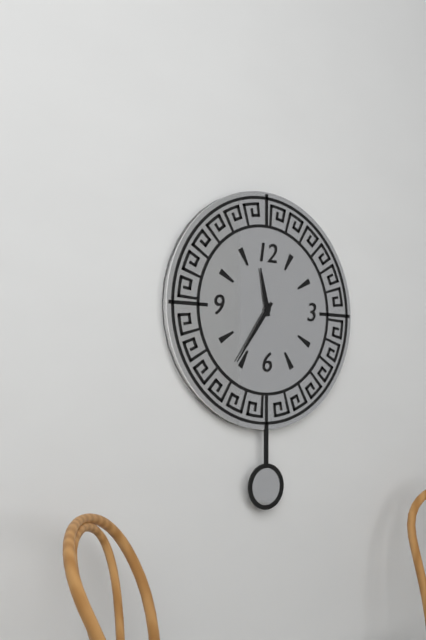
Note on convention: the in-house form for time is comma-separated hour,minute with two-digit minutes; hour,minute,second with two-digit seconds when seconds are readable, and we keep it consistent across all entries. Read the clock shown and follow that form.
11,36
